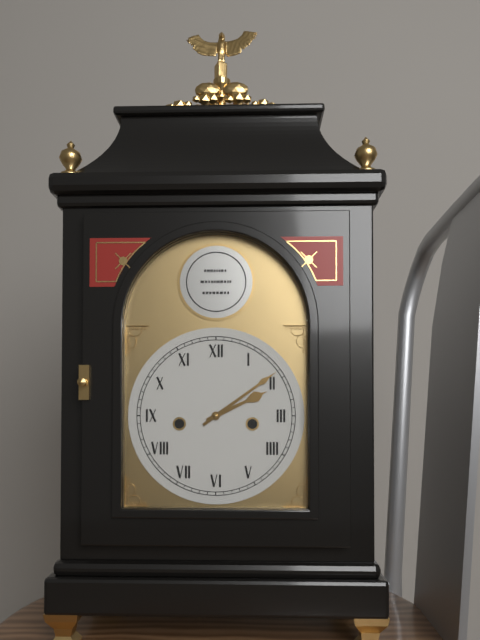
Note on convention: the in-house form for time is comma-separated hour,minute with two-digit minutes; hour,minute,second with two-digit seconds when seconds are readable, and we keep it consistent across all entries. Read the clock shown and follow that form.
2,09
